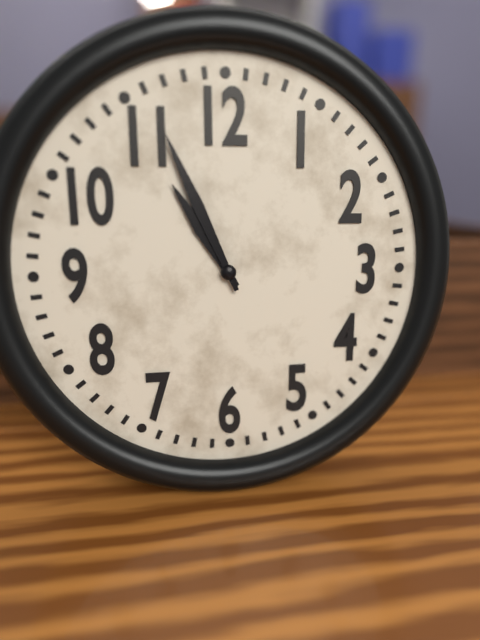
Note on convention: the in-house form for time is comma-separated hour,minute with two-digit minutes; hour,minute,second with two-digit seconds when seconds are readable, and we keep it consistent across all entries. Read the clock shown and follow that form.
10,56
